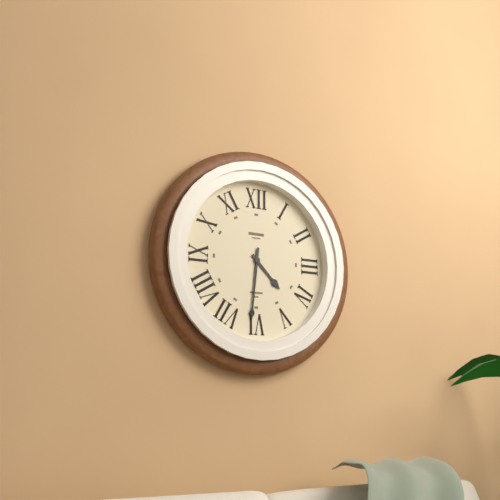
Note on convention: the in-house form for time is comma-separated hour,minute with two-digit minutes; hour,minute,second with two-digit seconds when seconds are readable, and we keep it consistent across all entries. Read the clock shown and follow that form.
4,31
